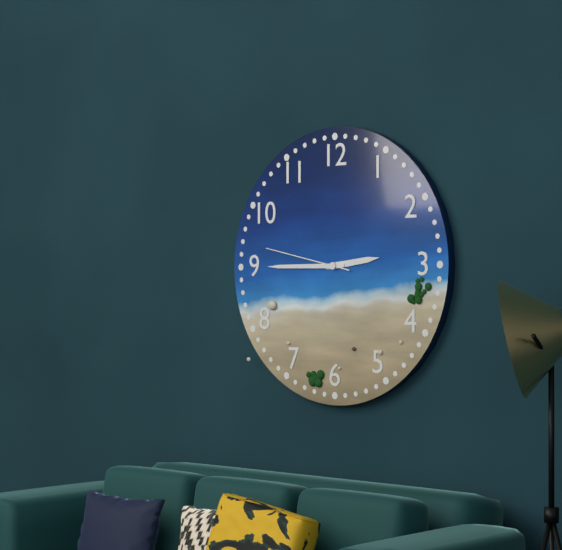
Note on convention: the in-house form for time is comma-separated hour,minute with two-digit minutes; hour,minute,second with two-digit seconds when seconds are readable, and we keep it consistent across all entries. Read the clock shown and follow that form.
2,45,47
